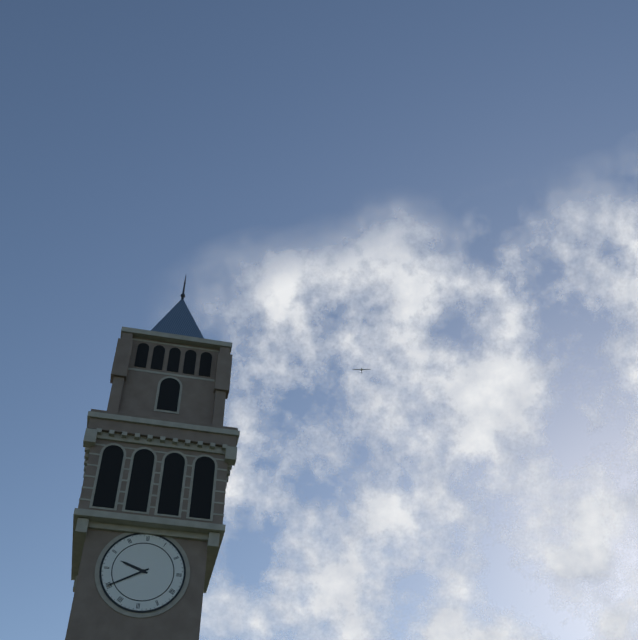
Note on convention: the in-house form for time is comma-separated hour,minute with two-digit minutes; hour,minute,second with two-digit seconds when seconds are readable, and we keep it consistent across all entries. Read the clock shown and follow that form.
9,40
